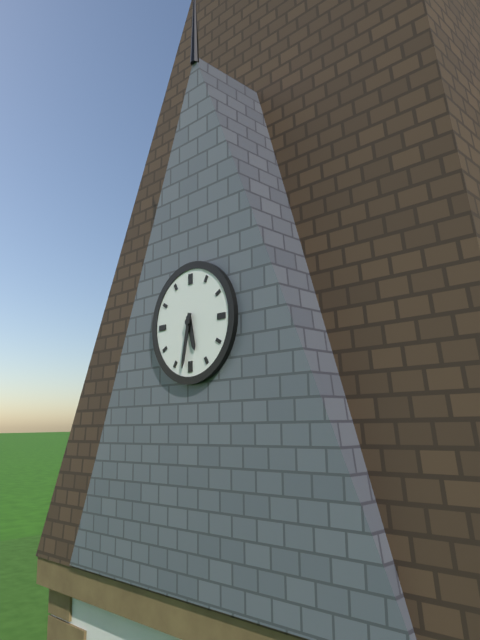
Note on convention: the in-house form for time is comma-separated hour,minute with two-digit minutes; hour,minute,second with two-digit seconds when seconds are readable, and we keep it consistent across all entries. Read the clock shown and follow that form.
5,32
